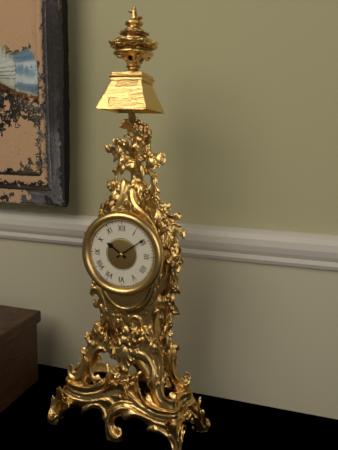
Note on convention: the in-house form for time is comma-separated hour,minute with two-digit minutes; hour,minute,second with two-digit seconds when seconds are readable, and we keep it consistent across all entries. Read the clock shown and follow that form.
10,09
